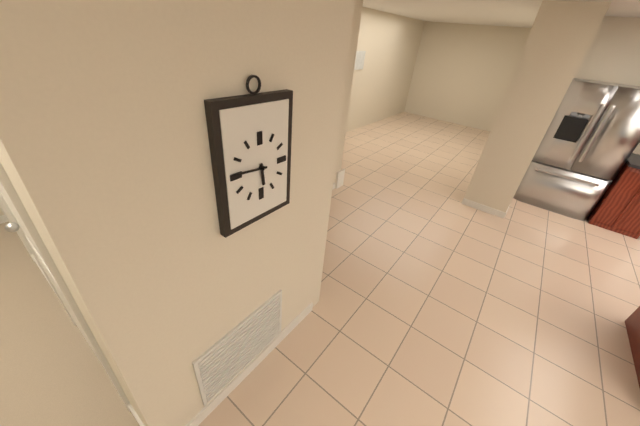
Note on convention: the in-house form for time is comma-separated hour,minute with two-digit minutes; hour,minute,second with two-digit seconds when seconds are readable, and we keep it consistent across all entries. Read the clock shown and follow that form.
5,46
